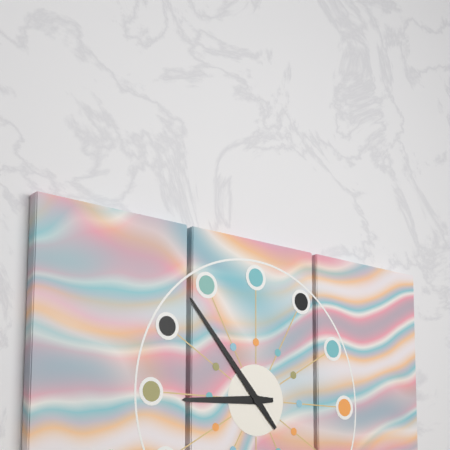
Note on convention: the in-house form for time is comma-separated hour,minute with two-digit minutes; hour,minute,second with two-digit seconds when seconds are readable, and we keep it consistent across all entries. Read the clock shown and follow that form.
8,53
